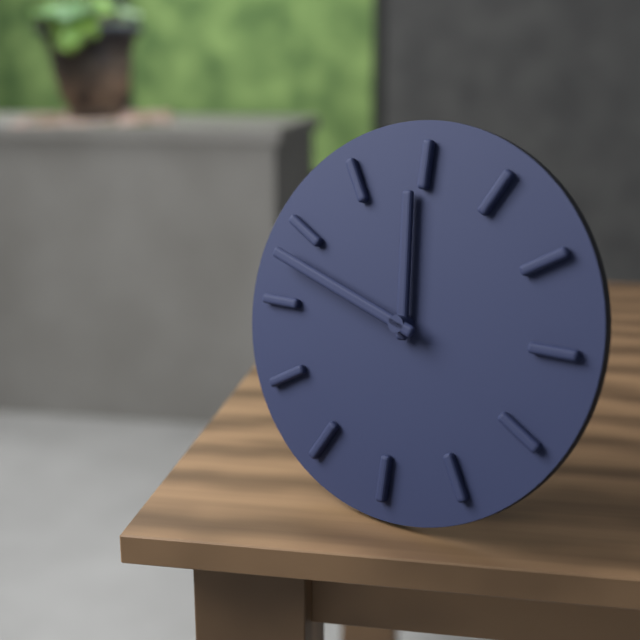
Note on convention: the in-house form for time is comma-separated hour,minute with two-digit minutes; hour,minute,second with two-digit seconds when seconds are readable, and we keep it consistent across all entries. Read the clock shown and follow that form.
11,48
